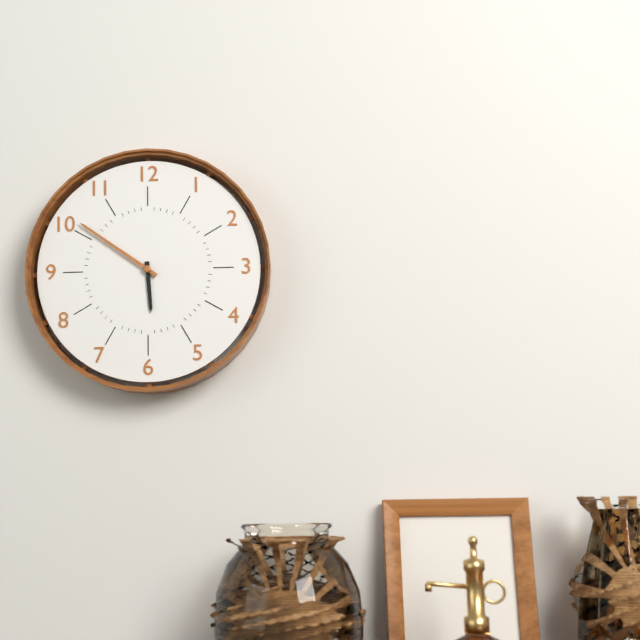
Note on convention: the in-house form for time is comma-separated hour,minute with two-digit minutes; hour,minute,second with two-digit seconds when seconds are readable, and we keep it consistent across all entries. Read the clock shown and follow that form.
5,51
